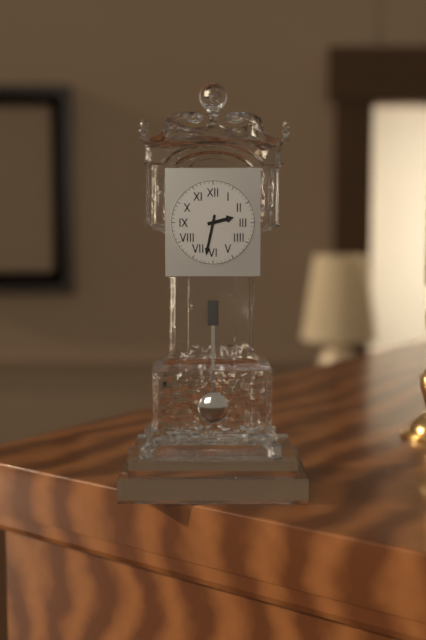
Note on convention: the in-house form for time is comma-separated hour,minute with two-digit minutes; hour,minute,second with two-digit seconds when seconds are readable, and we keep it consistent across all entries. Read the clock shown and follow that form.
2,32
